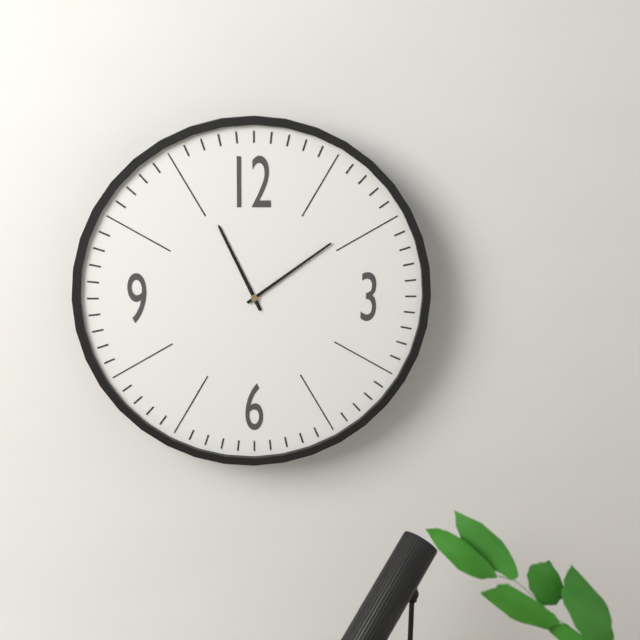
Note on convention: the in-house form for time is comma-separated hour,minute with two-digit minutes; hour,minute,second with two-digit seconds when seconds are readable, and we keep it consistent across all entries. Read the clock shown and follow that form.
11,09
